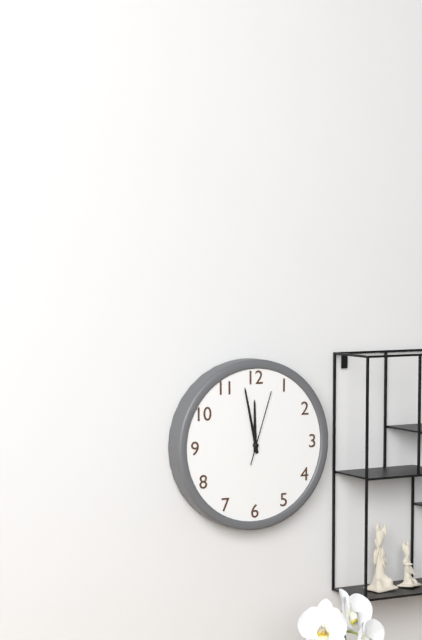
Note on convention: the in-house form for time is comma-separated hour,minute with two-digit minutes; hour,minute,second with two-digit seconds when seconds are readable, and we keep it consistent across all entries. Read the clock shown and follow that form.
11,58,03
